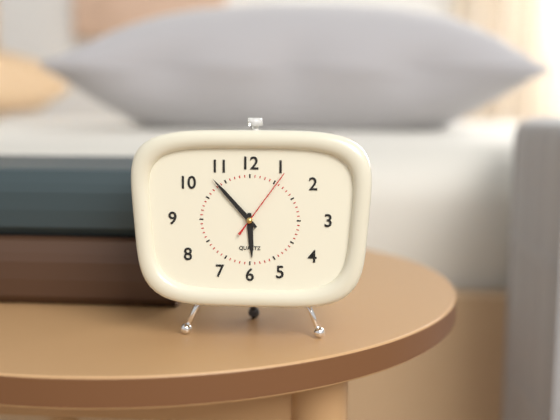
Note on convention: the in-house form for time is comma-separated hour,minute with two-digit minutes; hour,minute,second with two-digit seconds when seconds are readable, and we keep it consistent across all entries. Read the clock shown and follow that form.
5,53,06
